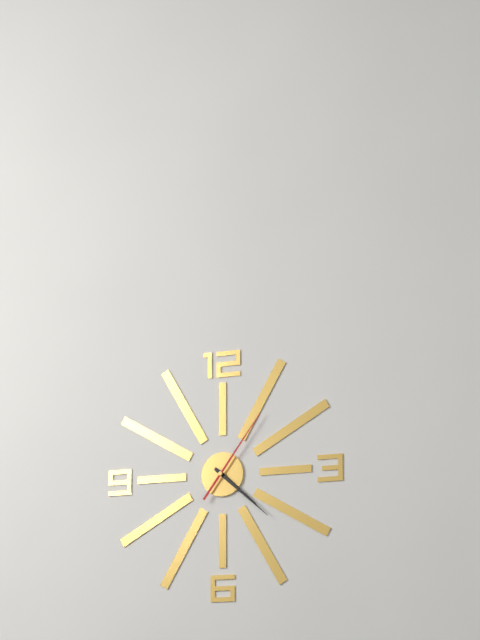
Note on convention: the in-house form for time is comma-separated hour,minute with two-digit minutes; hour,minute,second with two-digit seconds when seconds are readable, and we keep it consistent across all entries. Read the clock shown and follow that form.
4,22,06
